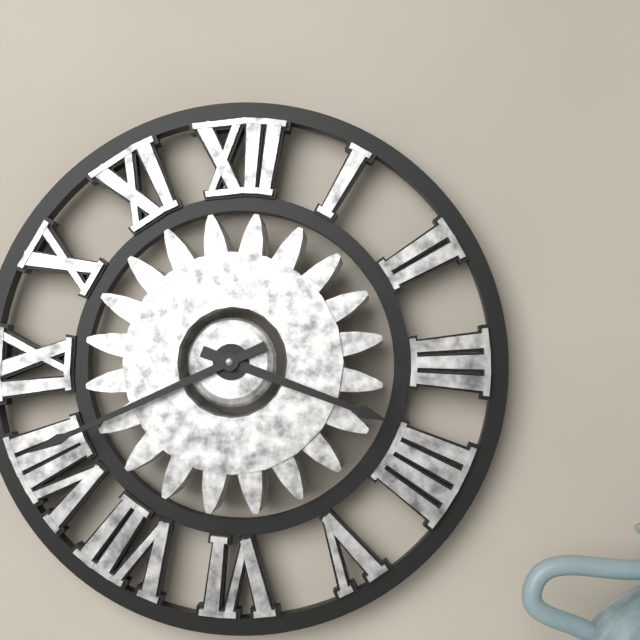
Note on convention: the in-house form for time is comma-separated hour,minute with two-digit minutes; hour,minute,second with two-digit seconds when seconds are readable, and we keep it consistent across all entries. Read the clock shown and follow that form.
3,41
